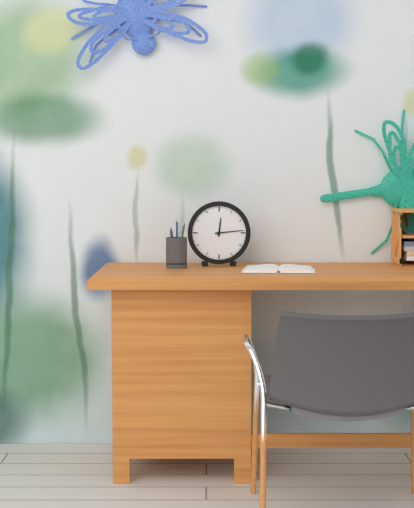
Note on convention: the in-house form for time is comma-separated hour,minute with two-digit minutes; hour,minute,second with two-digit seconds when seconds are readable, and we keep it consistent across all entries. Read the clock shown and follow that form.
12,14
